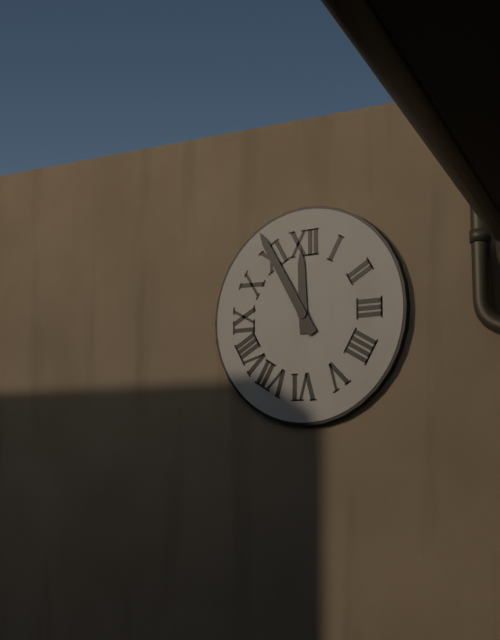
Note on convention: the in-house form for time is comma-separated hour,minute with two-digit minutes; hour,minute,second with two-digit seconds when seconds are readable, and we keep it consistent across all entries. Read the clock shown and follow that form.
11,55
